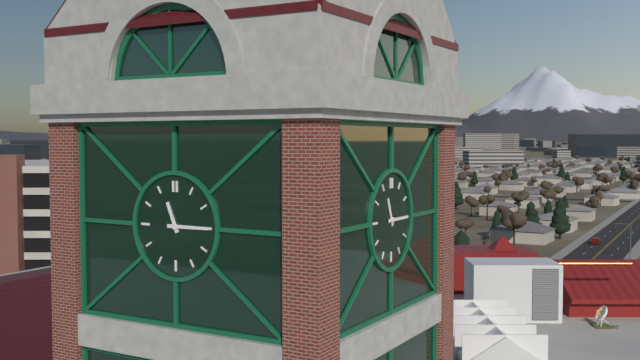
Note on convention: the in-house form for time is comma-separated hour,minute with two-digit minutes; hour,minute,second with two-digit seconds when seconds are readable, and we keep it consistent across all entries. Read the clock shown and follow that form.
11,15
